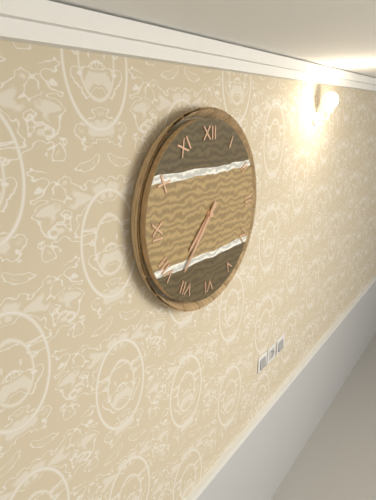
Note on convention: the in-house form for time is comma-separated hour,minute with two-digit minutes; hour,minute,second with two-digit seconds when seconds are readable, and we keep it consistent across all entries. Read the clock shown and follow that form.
7,37
